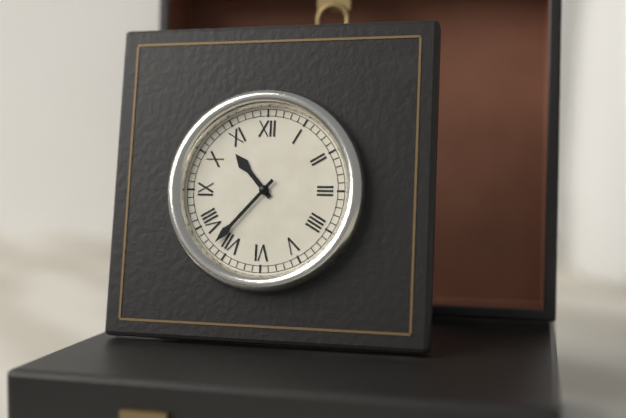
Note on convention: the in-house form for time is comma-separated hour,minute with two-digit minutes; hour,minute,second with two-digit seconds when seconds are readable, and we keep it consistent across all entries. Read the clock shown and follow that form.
10,37
